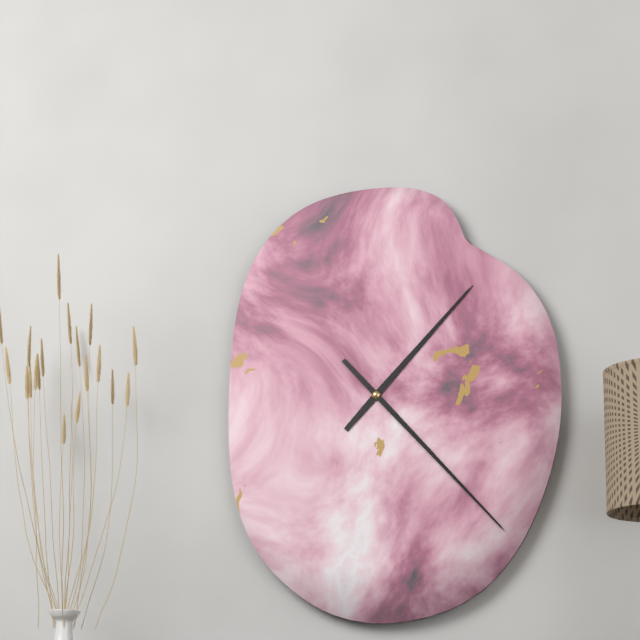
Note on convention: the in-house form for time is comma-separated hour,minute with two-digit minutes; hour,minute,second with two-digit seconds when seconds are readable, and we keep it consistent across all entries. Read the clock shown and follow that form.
1,23
